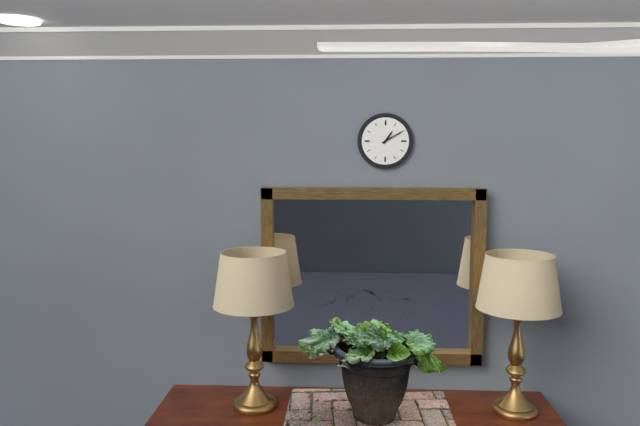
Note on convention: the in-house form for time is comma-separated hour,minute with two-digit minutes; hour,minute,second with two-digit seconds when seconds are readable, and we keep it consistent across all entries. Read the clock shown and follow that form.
1,10
